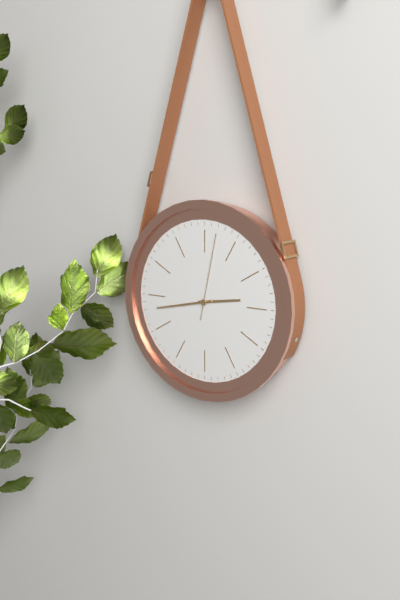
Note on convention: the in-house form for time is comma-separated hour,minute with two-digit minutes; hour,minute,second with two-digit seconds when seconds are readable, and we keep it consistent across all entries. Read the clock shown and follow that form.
2,43,02
